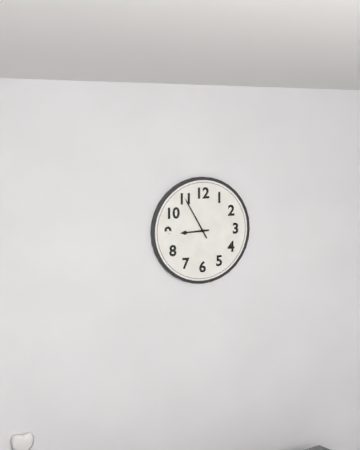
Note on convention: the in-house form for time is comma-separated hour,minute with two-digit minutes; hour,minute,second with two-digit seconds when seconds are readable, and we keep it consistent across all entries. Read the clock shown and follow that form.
8,55
